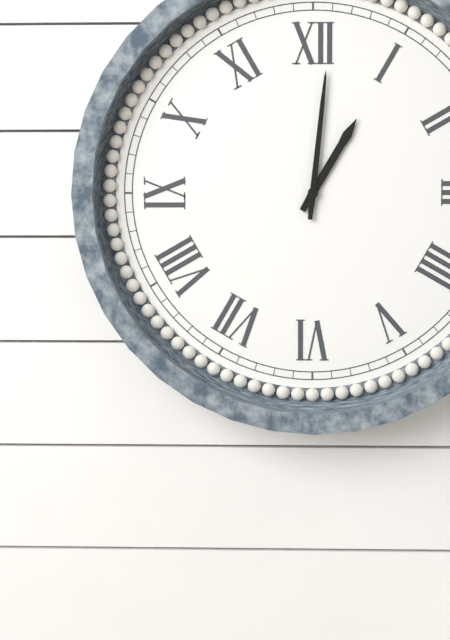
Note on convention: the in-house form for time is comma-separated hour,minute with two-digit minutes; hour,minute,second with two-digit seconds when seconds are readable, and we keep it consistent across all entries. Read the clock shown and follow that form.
1,01
